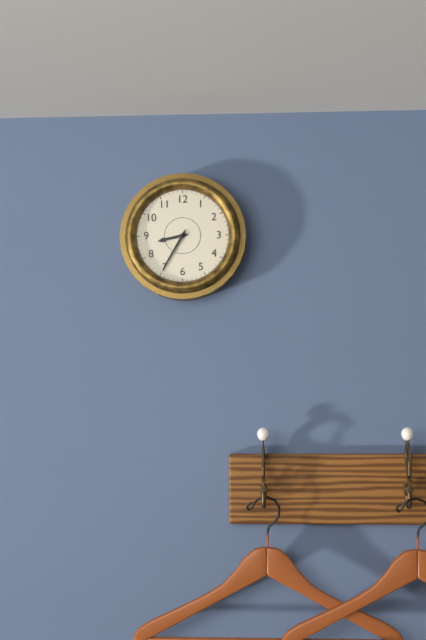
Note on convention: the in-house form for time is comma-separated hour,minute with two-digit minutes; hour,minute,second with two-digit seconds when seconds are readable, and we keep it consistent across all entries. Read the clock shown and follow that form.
8,35
